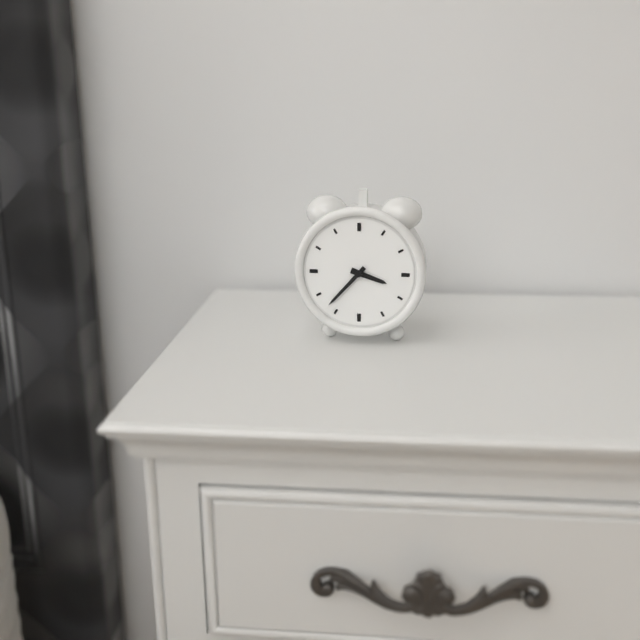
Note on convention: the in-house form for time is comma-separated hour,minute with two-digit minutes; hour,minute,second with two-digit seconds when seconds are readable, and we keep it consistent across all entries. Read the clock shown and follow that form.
3,37
